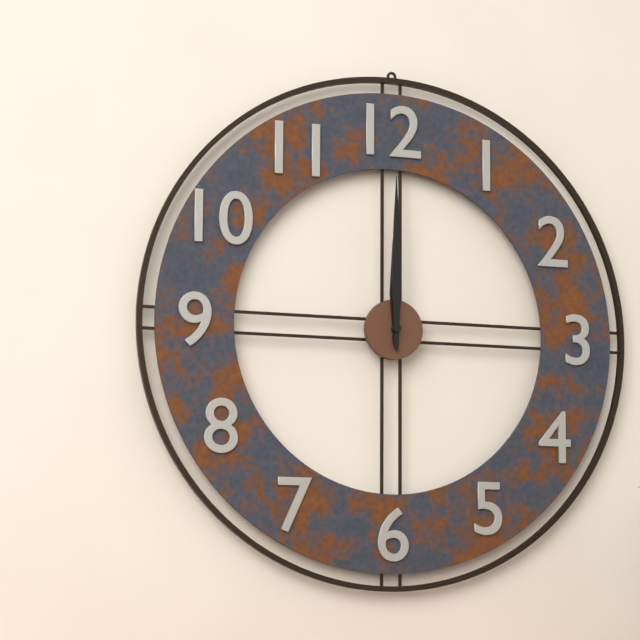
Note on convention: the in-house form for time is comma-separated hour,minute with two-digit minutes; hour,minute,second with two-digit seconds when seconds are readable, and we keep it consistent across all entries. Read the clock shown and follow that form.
12,00
